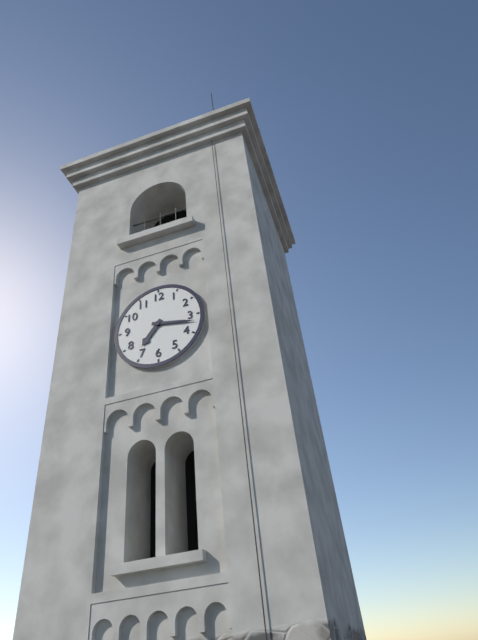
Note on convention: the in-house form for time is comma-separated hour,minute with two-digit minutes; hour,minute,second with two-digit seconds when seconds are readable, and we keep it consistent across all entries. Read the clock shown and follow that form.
7,17
